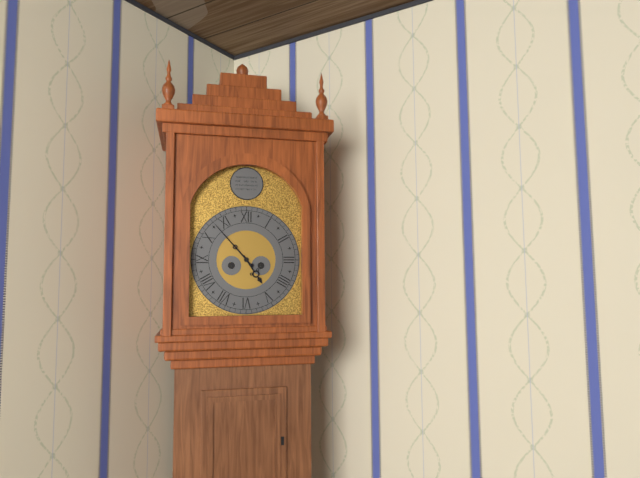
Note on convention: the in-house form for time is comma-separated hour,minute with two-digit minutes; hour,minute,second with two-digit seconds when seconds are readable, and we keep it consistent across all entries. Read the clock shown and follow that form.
4,53
